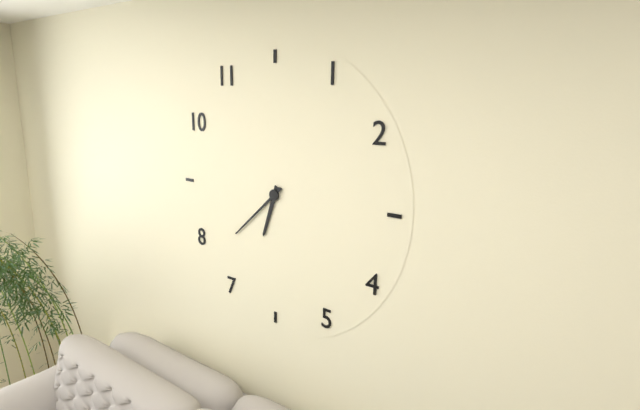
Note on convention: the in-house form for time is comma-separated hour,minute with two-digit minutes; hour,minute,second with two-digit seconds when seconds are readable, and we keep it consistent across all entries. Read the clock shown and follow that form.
6,38
